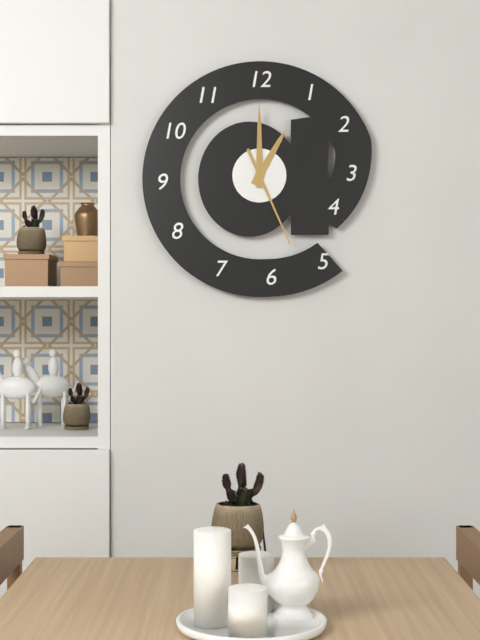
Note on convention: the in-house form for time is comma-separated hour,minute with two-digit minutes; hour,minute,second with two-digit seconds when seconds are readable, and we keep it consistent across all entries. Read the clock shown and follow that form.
1,00,26
